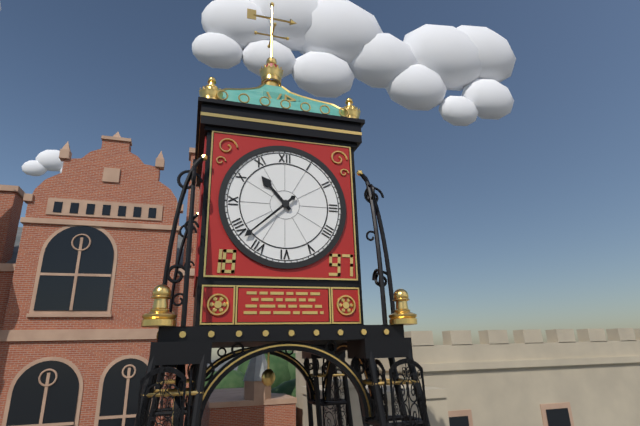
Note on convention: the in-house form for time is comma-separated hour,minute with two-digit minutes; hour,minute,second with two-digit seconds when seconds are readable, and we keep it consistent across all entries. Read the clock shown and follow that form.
10,38
